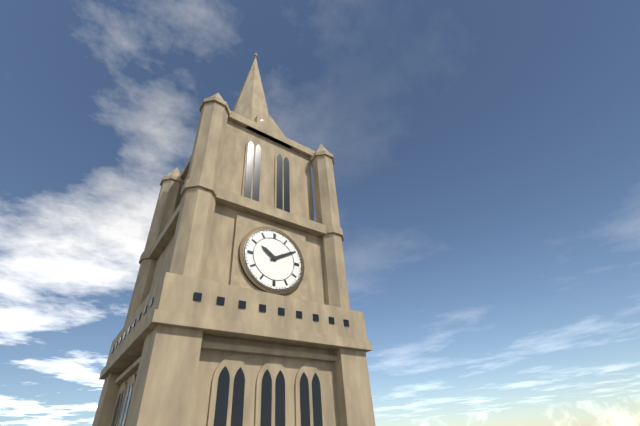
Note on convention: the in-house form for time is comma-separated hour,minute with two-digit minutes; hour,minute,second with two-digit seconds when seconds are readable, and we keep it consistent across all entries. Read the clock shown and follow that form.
10,10
